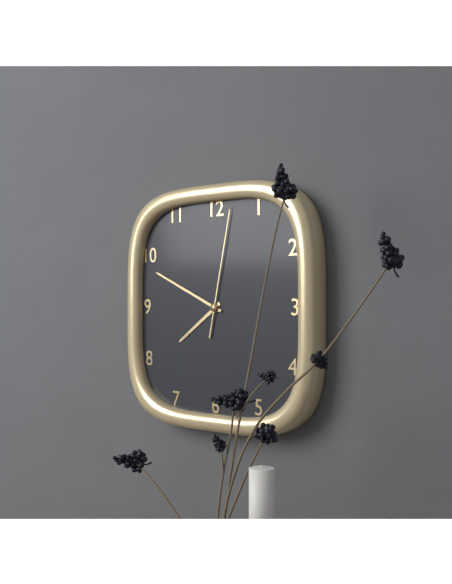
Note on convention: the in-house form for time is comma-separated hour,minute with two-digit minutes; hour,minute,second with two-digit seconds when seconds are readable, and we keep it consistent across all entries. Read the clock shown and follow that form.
7,49,02
